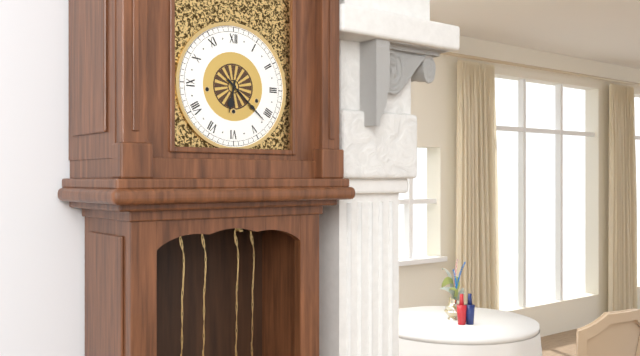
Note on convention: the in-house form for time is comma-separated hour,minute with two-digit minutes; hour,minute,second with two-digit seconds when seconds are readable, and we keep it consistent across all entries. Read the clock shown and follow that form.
6,22
